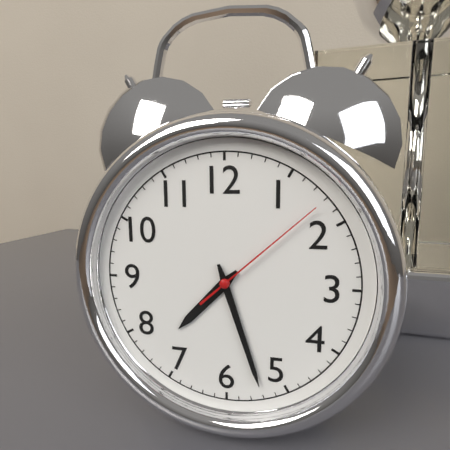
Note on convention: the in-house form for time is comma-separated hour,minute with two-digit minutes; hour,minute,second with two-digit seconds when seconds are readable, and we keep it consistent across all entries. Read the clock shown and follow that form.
7,27,08
